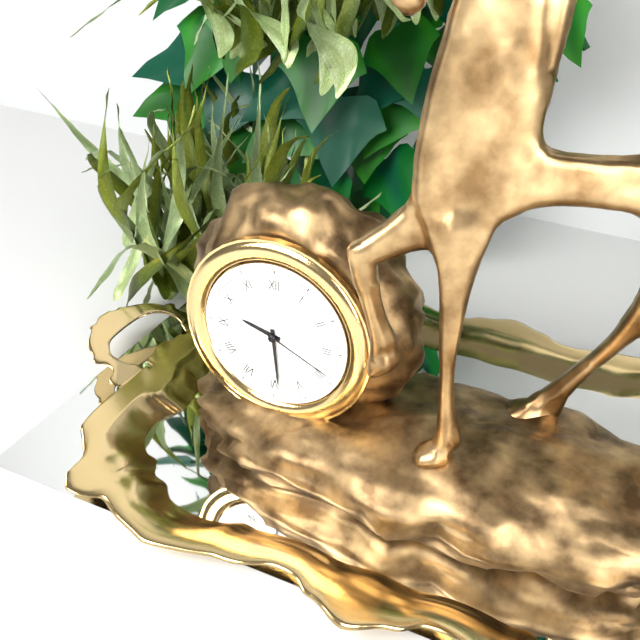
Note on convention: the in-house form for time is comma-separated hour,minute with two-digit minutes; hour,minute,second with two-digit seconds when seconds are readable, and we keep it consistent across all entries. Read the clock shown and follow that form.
9,29,19
